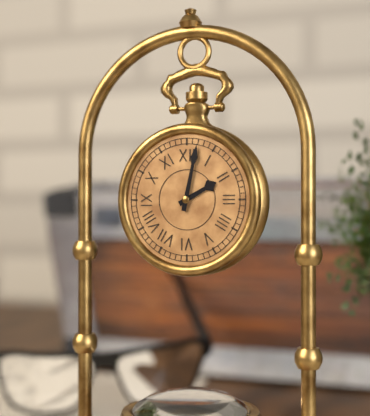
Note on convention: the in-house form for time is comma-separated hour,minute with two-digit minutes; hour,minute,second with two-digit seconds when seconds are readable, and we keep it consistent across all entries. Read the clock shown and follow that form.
2,02
